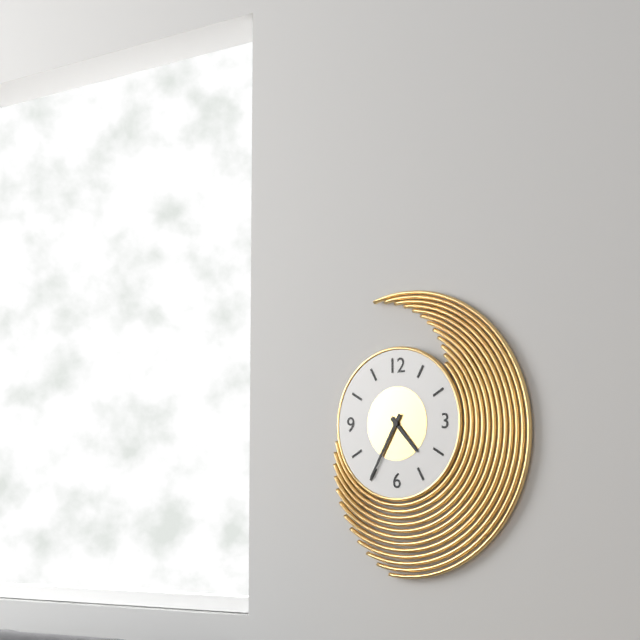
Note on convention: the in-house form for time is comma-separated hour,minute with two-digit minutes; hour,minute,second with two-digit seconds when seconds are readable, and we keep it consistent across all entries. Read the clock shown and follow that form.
4,35
